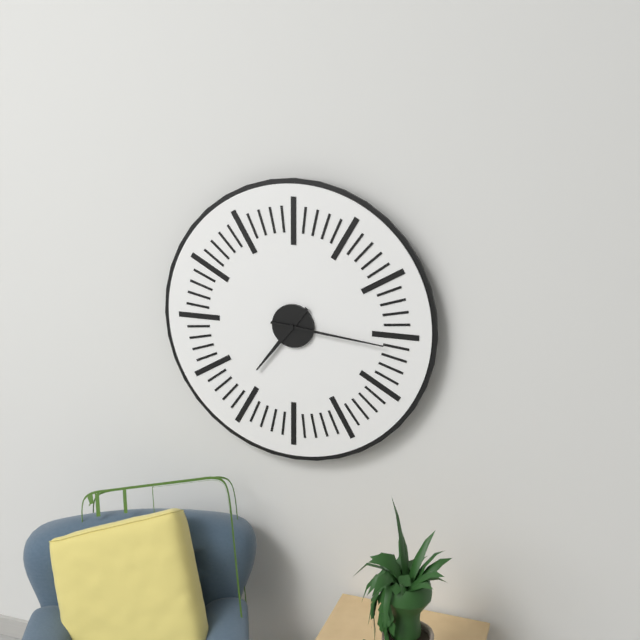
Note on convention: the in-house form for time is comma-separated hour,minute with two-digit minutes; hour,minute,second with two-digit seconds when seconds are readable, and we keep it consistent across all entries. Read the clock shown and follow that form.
7,16
